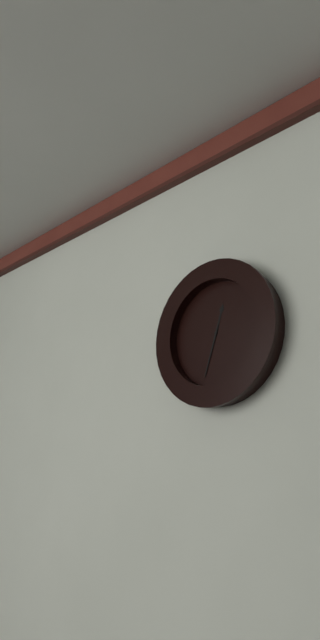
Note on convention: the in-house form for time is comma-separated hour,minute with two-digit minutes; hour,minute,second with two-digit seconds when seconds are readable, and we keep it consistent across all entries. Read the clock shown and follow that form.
12,33
